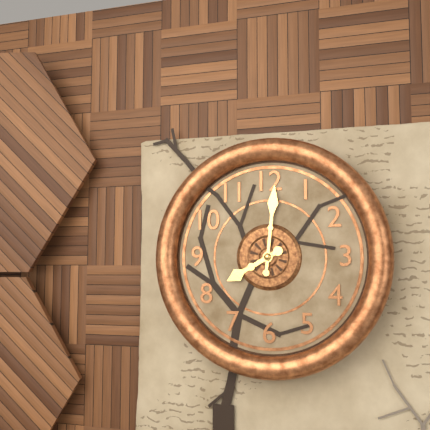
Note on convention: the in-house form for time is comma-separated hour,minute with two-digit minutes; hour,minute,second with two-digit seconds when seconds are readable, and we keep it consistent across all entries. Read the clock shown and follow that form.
8,01
